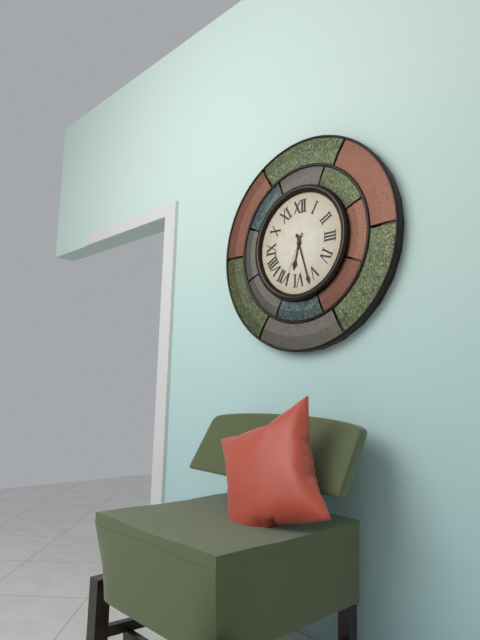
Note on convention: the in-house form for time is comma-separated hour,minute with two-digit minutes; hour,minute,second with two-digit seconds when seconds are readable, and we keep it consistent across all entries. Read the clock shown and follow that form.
6,27,34
